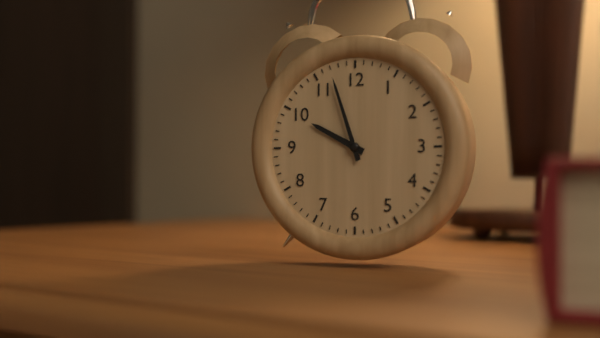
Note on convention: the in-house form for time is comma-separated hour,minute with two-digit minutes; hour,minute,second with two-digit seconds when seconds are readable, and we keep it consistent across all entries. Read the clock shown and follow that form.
9,57
